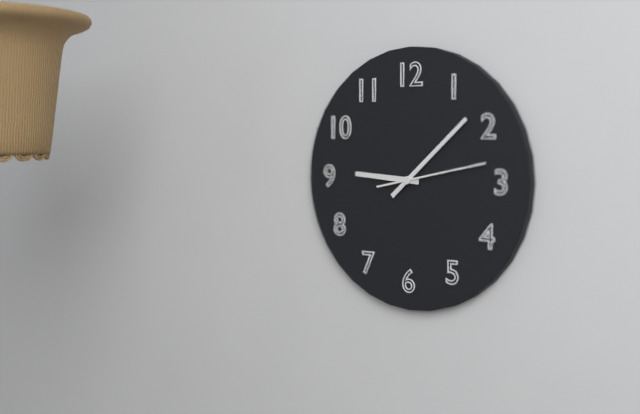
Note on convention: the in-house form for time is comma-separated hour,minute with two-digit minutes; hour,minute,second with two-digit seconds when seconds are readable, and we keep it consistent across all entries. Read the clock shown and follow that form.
9,08,13
